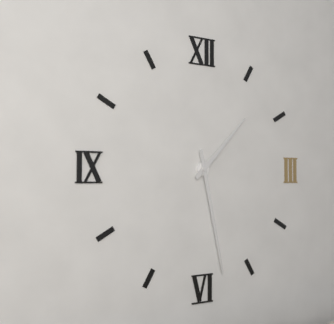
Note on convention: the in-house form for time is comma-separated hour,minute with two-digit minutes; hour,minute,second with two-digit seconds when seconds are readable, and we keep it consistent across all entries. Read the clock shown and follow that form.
1,28
